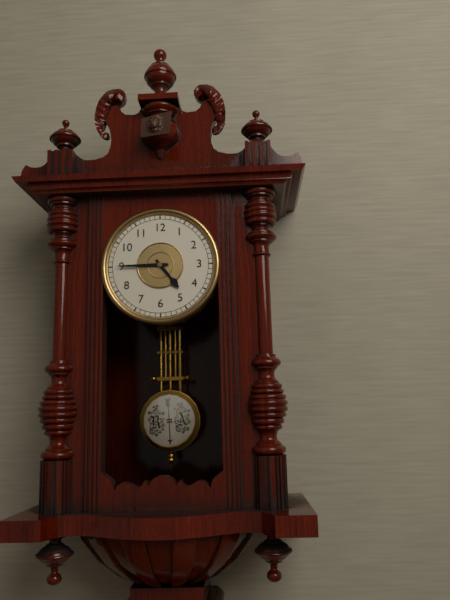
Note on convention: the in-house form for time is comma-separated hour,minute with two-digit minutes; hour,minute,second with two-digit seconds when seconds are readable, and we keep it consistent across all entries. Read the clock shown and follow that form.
4,45
